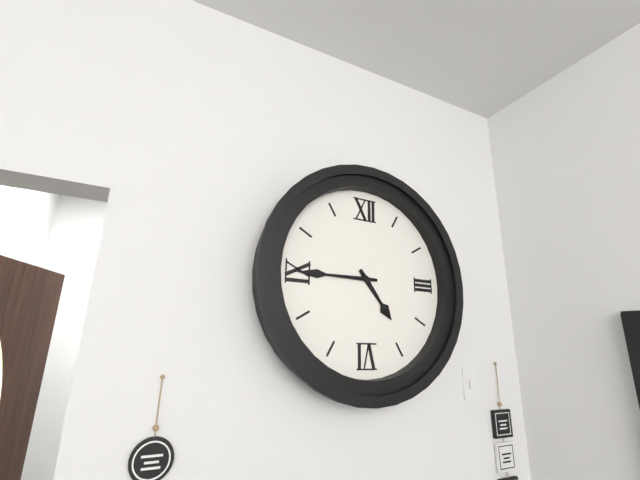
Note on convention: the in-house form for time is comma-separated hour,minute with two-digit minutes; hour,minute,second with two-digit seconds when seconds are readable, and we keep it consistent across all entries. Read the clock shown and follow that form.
4,45
